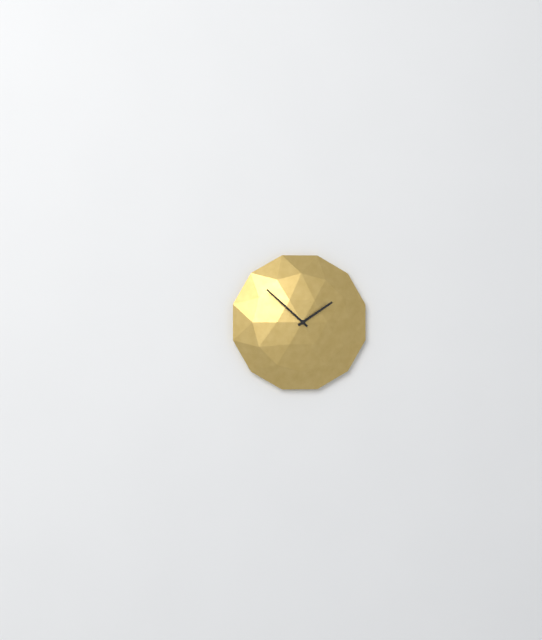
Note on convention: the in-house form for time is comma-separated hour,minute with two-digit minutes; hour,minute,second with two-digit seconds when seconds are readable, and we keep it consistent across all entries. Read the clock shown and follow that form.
1,52
